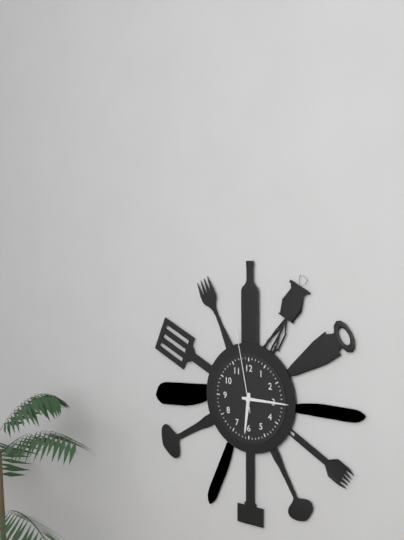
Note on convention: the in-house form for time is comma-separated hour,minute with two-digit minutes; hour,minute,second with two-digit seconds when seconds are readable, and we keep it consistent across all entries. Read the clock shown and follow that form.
6,15,58
